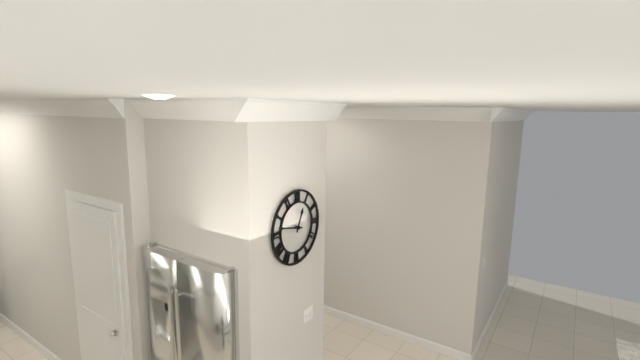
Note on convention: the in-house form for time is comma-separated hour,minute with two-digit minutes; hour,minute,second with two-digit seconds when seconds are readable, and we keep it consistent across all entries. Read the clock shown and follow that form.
12,47
